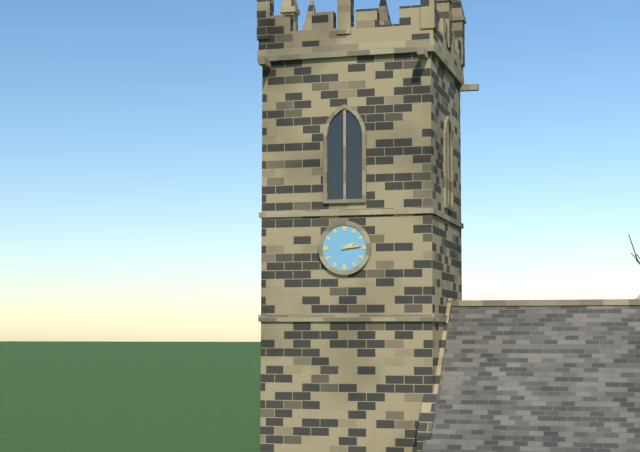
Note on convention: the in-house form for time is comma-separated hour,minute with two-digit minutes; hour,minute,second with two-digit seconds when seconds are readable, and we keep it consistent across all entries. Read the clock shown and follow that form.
2,14
